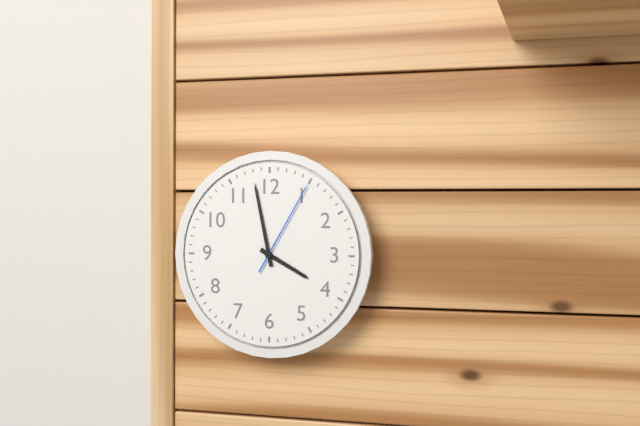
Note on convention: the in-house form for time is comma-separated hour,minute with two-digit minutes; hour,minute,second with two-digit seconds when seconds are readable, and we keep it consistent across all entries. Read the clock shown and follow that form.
3,58,05
